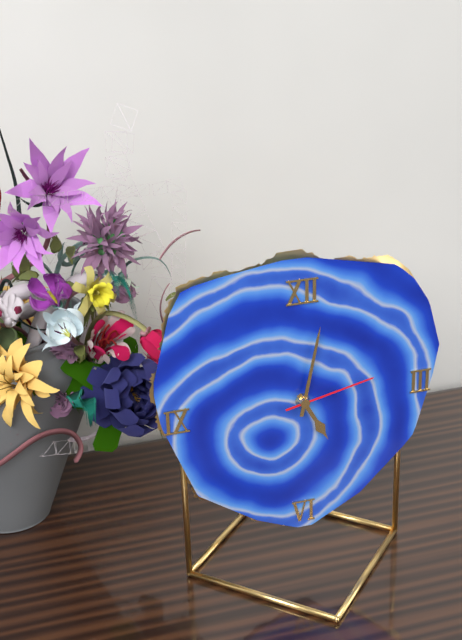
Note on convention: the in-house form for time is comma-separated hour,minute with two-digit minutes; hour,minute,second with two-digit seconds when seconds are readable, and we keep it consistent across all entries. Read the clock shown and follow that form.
5,02,13
